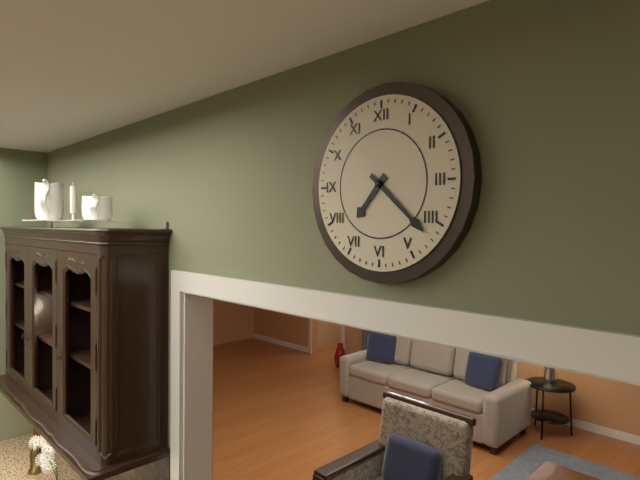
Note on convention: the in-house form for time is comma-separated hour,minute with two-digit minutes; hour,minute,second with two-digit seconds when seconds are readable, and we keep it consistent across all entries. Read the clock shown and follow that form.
7,22
